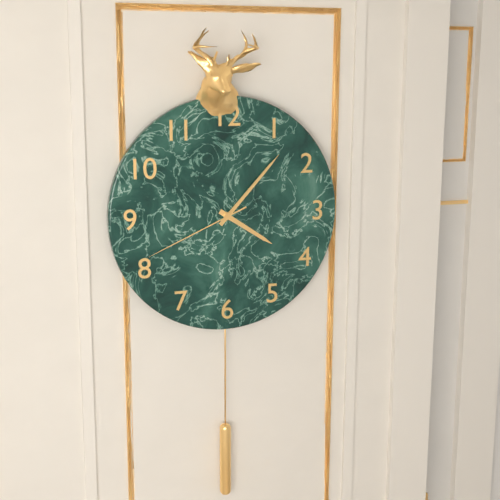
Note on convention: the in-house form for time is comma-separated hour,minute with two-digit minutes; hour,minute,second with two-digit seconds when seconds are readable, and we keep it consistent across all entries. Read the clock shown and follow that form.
4,07,41
